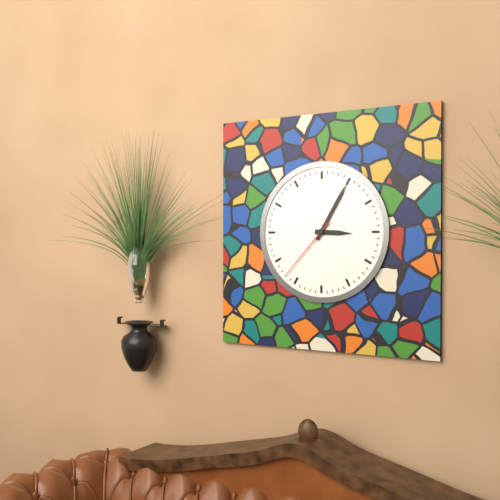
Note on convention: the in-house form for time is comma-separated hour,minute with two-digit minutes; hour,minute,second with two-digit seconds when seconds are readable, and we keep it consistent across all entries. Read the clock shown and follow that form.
3,05,37
